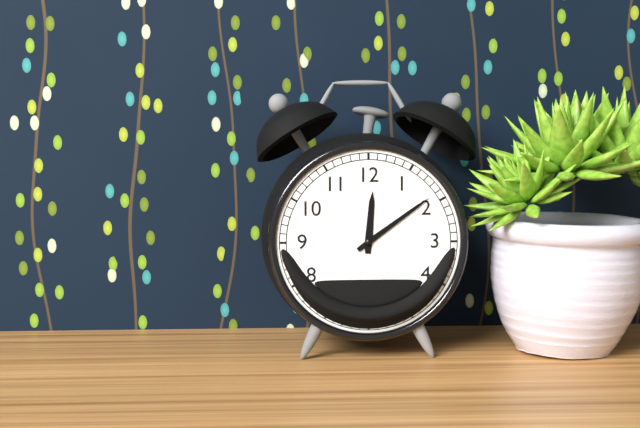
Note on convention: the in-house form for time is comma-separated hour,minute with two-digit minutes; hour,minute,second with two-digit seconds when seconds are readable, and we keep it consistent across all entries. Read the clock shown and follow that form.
12,09
